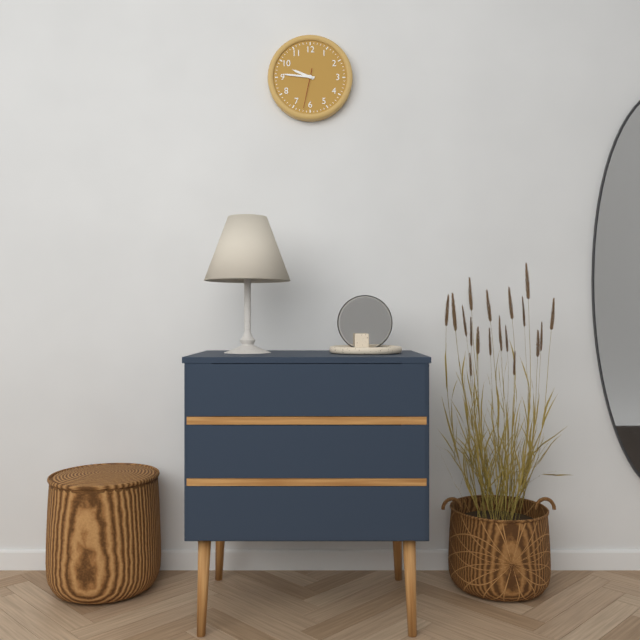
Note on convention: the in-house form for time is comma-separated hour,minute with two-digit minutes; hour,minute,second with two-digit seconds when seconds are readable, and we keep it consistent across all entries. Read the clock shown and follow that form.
9,46
